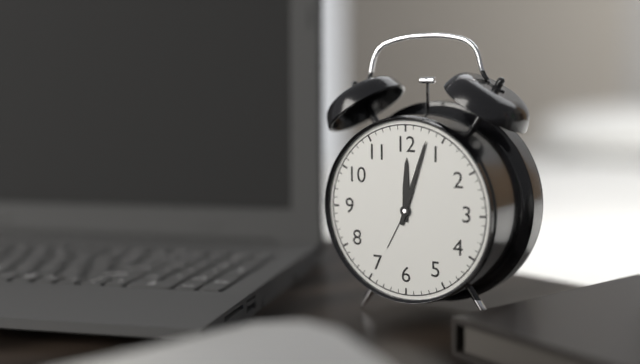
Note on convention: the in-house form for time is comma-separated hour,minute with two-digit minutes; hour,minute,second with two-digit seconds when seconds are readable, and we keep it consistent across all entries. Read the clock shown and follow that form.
12,03
